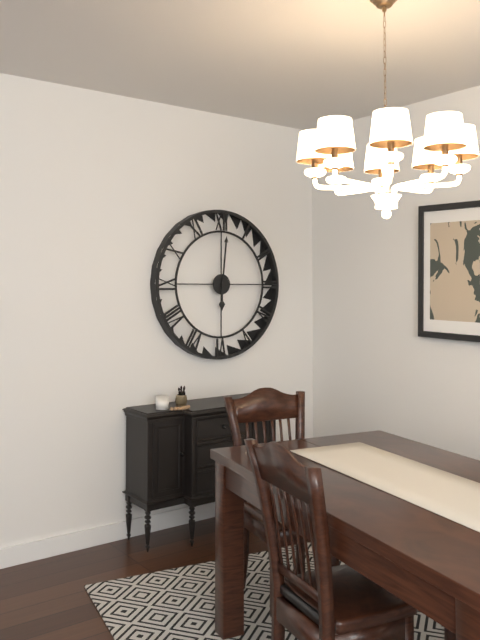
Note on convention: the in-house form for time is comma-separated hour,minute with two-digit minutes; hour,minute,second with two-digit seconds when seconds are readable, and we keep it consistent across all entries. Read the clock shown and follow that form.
6,01
